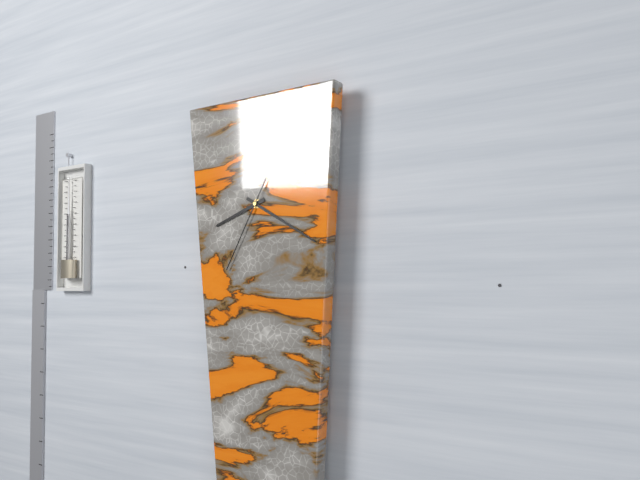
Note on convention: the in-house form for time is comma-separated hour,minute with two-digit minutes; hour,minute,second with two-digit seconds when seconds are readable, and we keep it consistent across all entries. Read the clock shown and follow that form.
8,20,35
